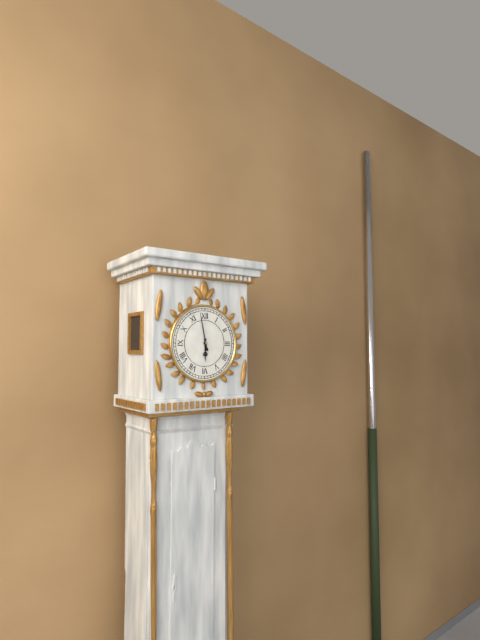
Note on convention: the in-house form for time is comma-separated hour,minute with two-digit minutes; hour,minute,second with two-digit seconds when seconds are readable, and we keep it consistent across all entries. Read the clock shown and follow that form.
5,58
